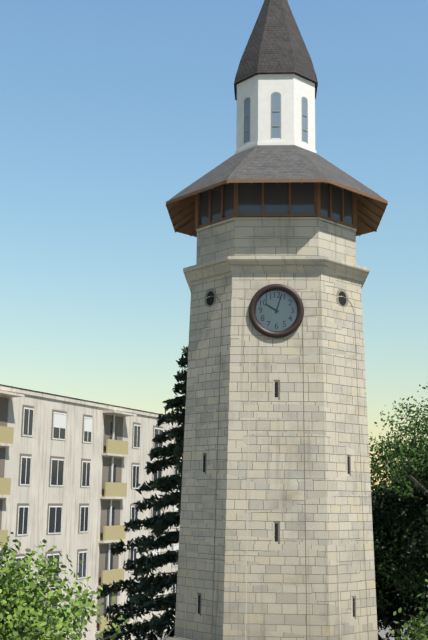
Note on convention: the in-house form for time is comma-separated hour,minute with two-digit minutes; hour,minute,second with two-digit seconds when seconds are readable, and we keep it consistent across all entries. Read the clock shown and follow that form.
10,03
